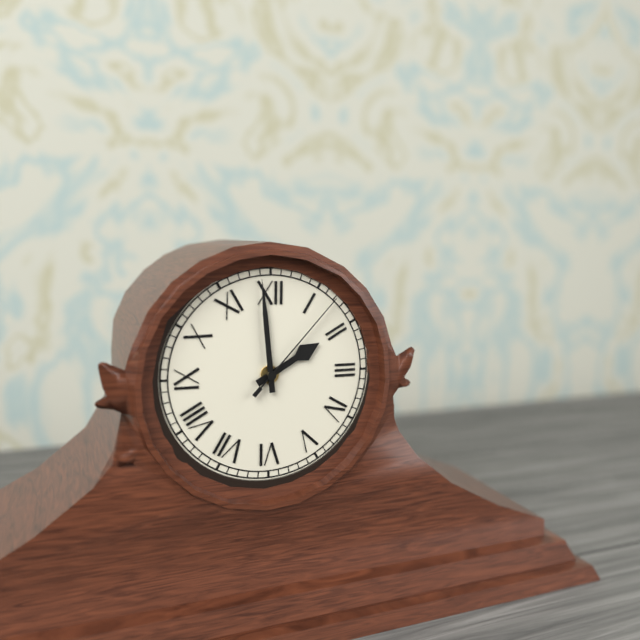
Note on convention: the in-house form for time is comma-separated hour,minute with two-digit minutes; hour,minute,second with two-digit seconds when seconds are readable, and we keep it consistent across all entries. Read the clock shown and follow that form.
1,59,07
